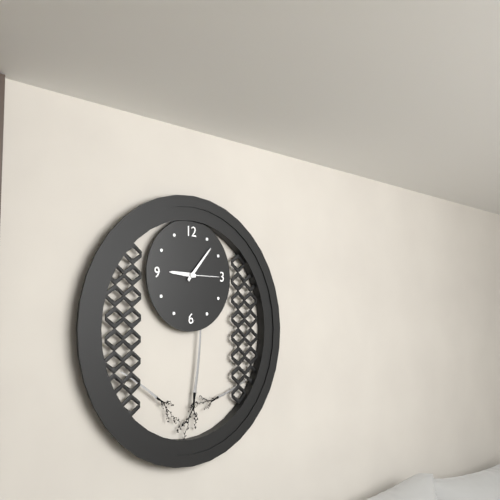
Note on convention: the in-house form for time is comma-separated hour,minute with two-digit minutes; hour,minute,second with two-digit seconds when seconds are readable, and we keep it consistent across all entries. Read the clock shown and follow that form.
9,07
